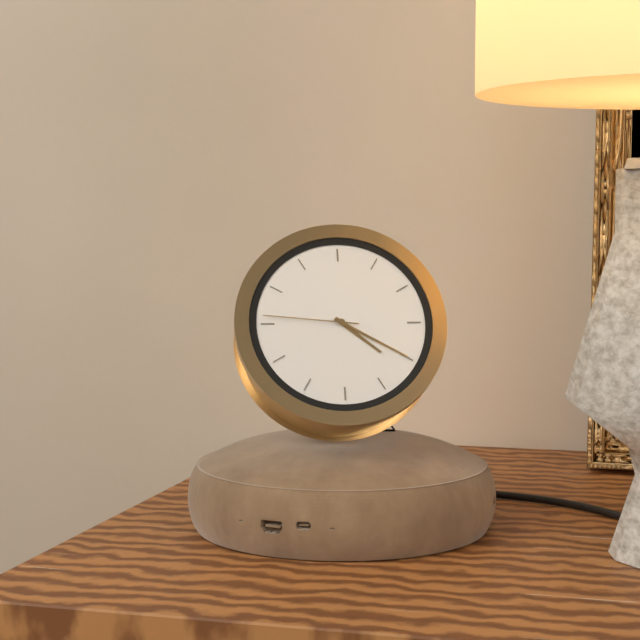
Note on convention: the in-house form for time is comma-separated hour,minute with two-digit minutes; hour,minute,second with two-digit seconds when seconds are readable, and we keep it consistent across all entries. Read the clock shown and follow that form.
4,20,46
